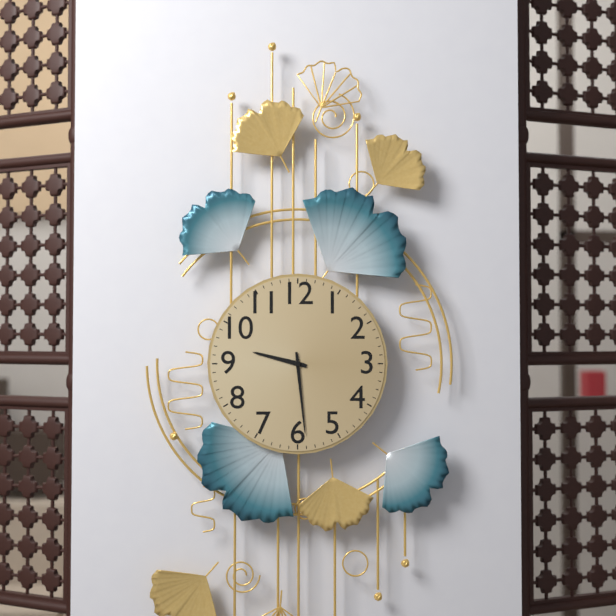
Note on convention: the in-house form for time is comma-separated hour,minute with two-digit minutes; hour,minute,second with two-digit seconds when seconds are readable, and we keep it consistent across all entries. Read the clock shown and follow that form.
9,29
